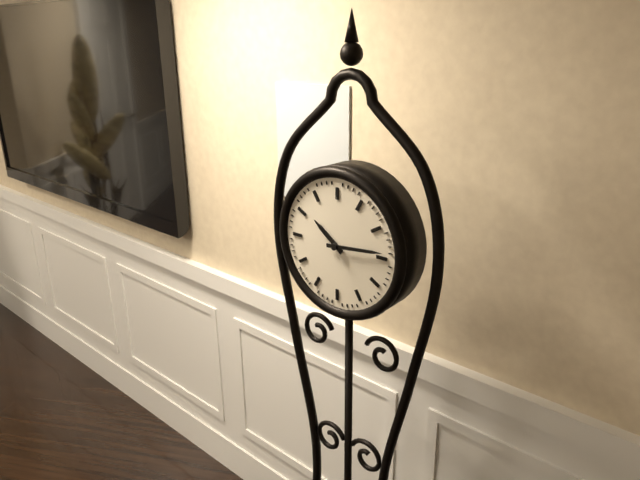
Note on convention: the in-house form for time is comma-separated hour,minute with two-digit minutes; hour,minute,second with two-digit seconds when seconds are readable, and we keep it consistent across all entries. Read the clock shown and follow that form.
10,14
